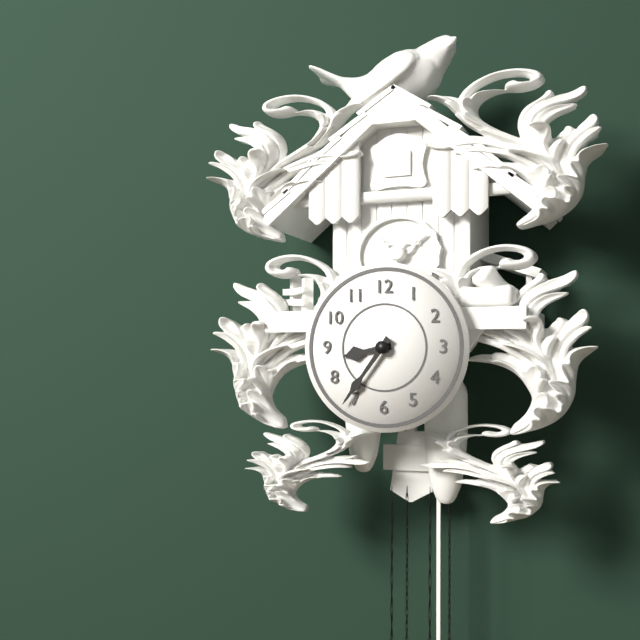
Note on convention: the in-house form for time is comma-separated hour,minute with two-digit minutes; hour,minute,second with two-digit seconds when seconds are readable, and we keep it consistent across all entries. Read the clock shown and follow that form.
8,36
